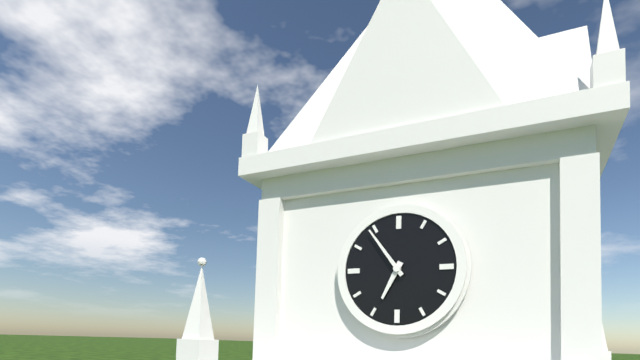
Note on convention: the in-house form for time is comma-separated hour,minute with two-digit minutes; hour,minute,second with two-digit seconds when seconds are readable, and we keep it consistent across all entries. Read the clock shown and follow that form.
6,54
